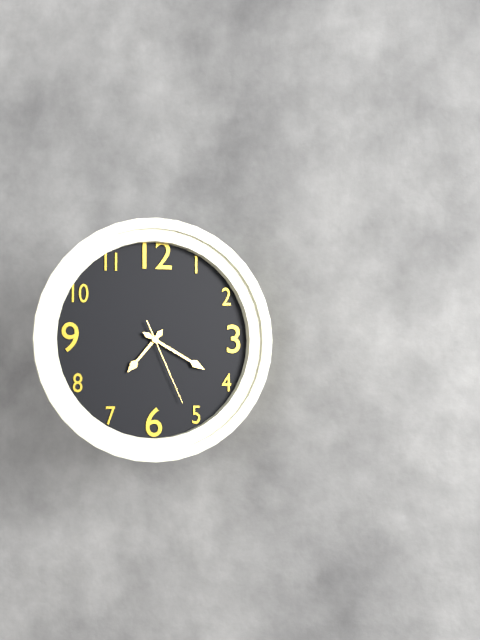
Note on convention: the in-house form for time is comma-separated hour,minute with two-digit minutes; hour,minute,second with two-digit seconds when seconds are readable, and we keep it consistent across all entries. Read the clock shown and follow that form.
7,20,26
